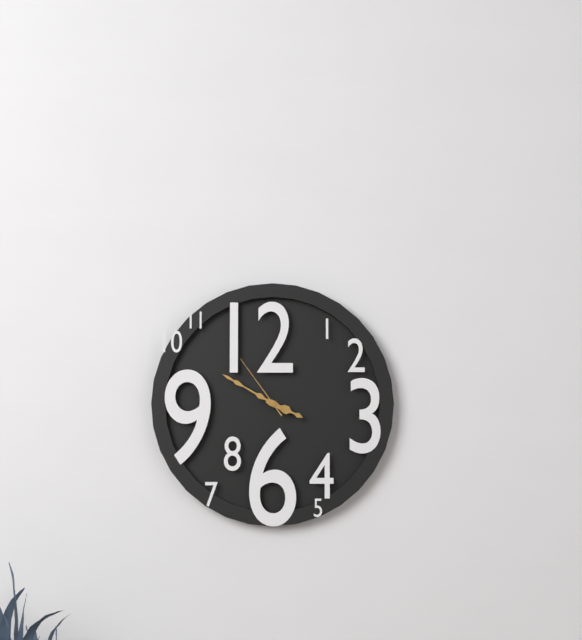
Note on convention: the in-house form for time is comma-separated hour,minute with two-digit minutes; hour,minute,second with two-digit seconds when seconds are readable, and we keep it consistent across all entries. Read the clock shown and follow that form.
3,50,54
